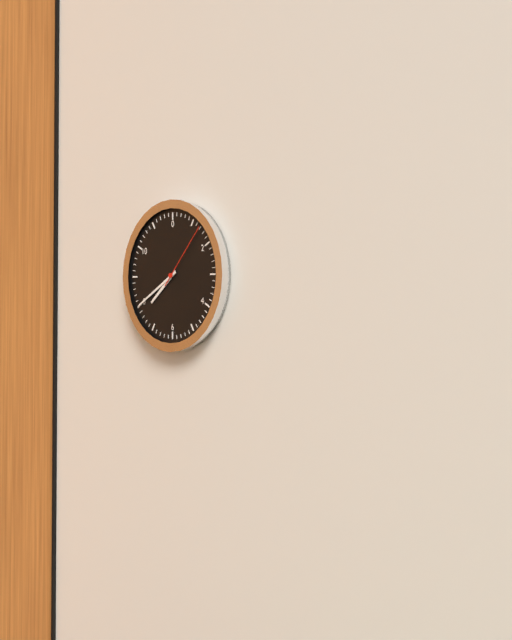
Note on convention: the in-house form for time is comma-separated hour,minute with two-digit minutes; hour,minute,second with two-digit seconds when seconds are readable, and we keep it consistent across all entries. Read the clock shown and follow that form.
7,40,07
